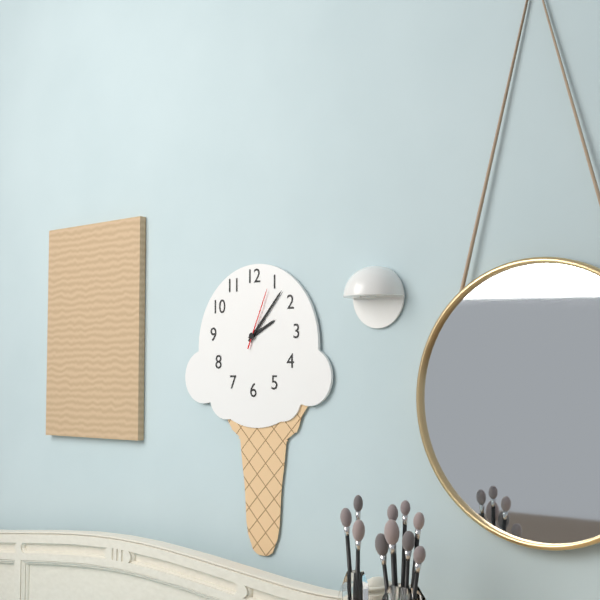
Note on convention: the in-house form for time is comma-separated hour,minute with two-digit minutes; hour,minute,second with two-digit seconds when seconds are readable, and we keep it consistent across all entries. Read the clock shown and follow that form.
2,07,04
